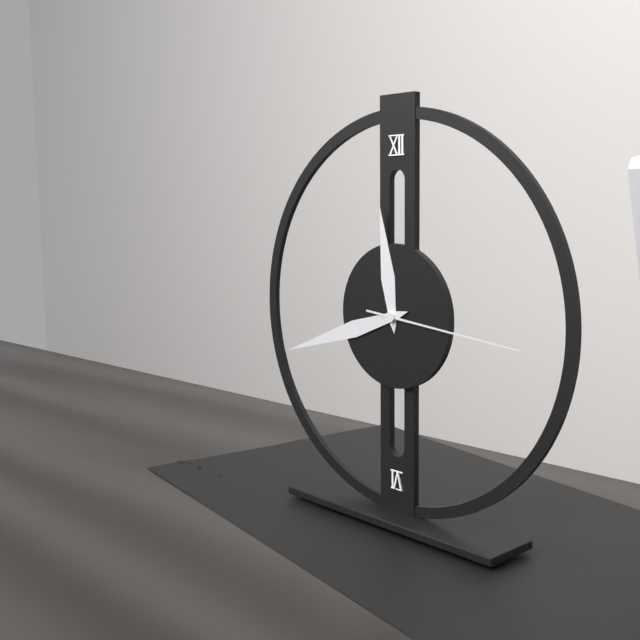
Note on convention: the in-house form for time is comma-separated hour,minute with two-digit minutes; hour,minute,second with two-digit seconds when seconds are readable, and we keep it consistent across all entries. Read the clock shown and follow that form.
11,42,16
